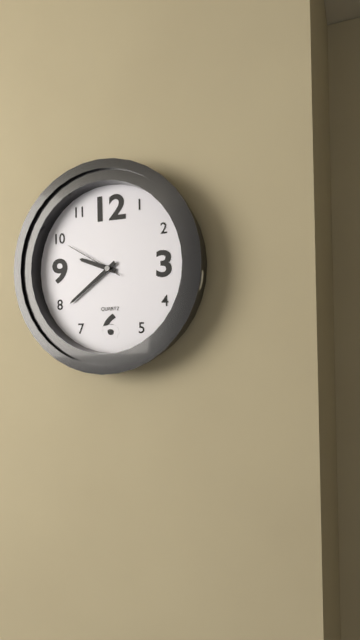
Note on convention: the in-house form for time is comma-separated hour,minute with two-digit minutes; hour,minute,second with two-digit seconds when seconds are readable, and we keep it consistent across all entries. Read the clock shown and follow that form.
9,39,50
